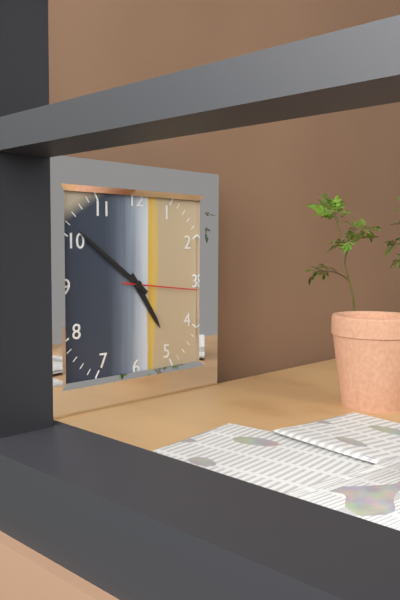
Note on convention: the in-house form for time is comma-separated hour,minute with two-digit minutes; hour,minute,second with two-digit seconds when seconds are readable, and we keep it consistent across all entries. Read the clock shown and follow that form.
4,51,16
